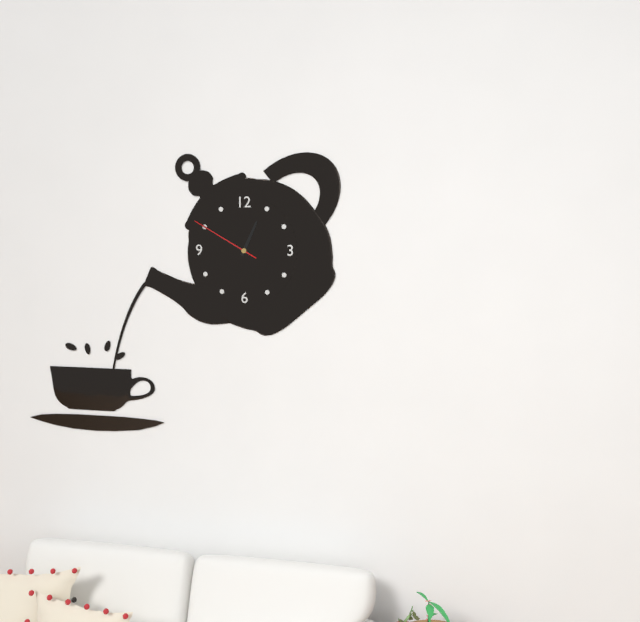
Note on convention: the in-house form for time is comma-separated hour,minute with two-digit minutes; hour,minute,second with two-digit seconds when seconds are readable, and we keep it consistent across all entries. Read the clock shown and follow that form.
12,50,50
